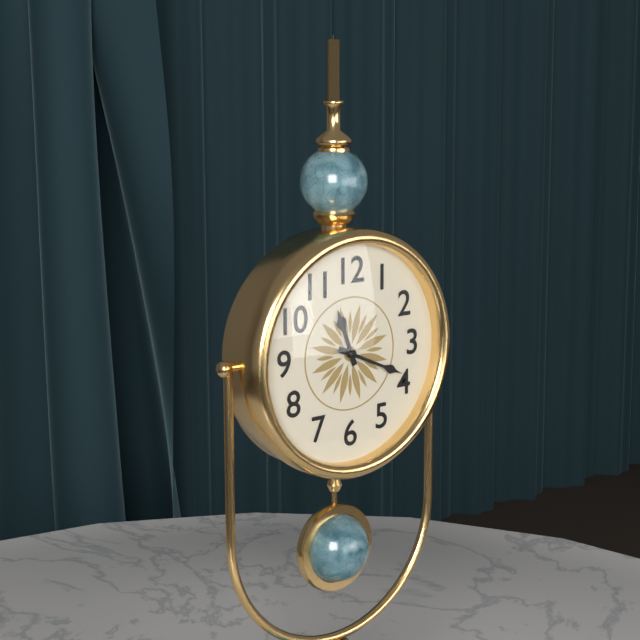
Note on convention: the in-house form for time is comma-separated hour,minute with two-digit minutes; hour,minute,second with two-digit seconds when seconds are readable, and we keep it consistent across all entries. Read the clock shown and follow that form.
11,19
